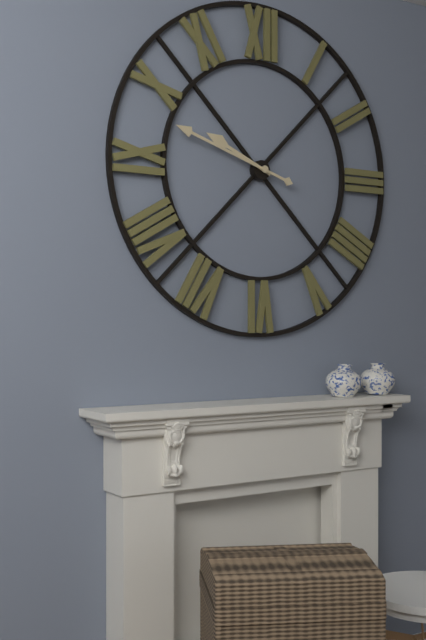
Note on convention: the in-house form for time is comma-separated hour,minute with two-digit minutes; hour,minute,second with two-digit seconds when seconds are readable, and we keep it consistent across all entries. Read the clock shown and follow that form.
9,48
